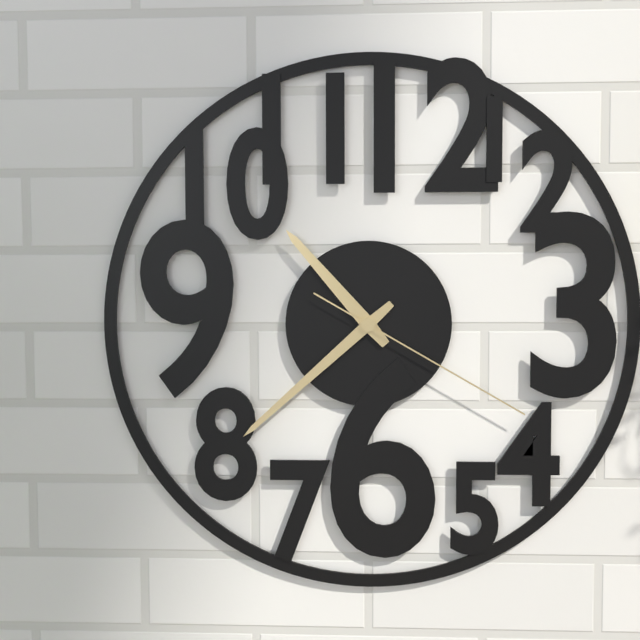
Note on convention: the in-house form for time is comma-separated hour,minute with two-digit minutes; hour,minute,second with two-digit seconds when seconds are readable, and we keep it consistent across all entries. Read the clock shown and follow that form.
10,38,20
